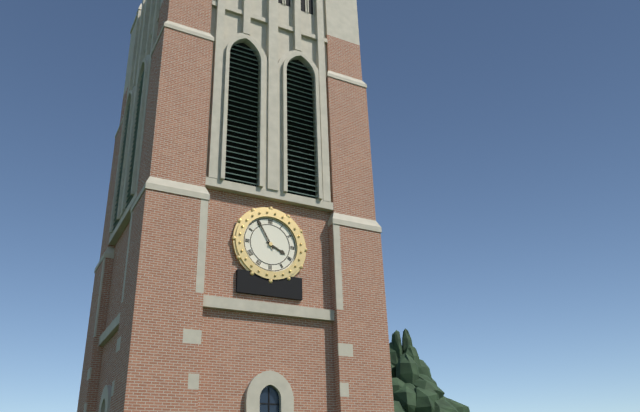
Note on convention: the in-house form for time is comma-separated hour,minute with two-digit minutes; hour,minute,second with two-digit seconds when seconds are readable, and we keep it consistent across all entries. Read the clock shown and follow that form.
3,55
